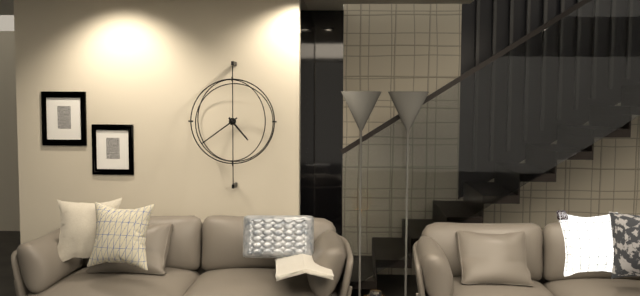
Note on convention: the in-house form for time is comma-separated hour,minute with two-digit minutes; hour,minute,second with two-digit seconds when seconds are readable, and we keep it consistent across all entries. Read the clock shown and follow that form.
4,39
